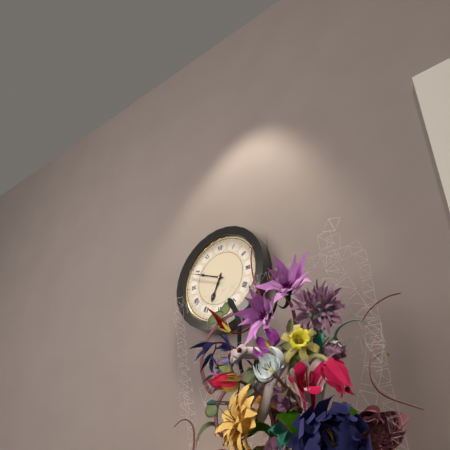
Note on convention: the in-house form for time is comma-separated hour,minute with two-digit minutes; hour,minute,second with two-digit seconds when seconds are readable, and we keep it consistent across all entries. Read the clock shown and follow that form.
6,49
